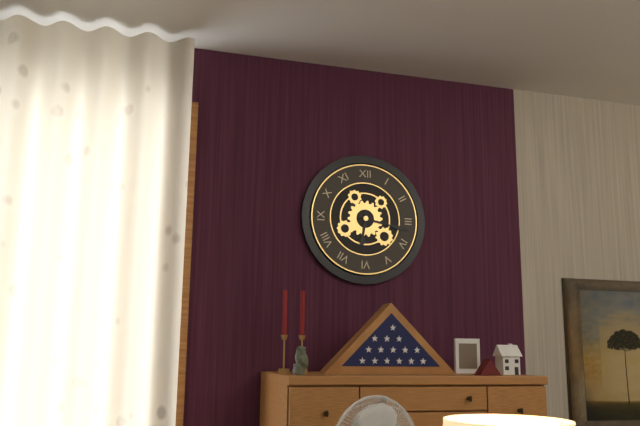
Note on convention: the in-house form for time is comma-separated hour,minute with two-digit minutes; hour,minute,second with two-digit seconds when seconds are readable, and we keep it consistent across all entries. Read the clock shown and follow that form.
6,17
